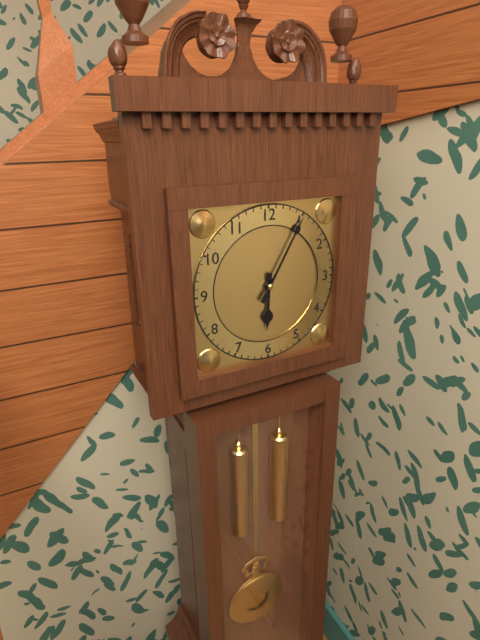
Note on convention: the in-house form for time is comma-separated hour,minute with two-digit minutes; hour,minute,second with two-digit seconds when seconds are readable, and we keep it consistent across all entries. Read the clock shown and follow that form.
6,05
